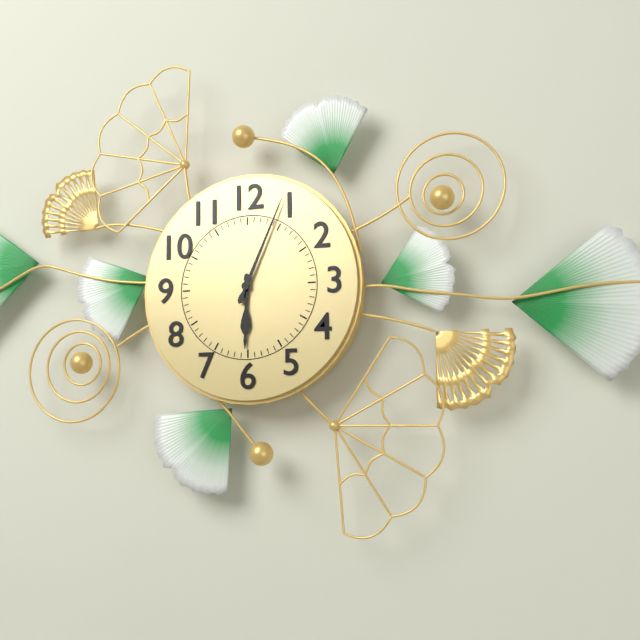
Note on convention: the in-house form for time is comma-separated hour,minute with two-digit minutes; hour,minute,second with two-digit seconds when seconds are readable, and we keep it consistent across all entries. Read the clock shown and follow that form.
6,04
